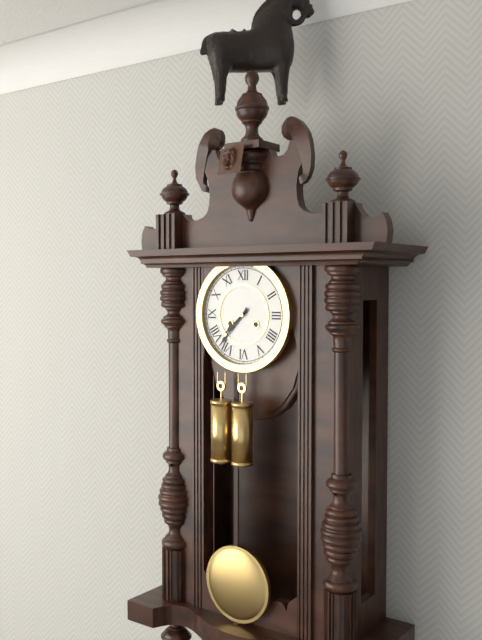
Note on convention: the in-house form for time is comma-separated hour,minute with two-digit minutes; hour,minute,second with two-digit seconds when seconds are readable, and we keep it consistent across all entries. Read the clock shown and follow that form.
7,37
